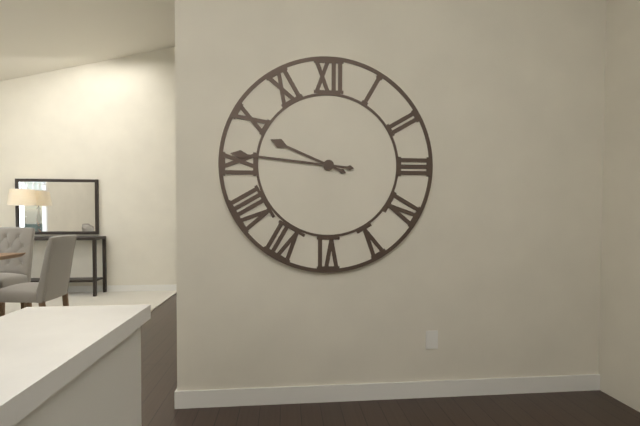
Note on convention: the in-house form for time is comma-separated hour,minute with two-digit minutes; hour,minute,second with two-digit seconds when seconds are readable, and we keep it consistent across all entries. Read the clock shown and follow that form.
9,46
